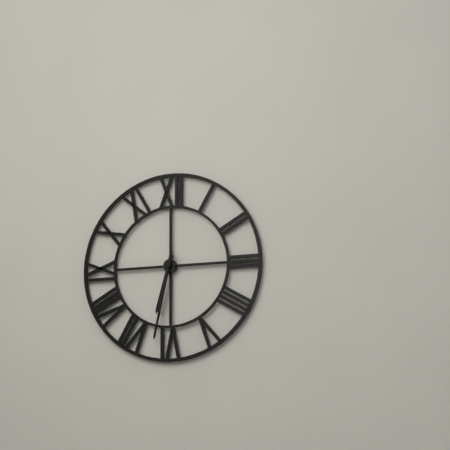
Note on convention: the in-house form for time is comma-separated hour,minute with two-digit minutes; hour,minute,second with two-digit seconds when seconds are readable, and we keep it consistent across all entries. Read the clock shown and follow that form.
6,32
